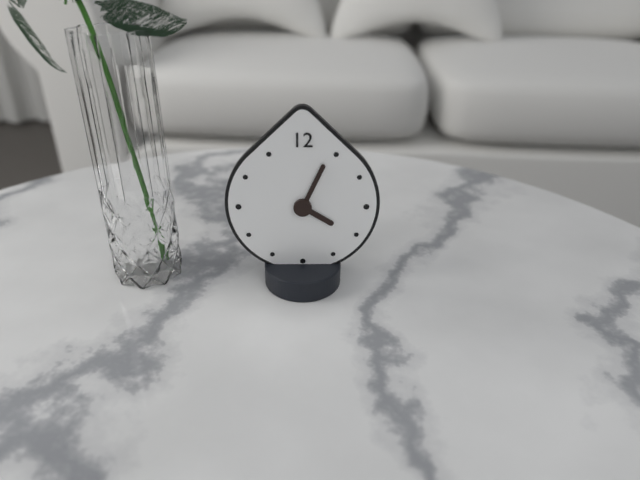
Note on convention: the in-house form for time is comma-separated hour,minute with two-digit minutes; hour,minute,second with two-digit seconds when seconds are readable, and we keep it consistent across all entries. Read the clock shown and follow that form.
4,04
